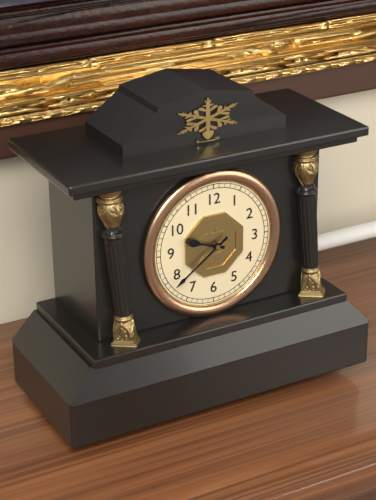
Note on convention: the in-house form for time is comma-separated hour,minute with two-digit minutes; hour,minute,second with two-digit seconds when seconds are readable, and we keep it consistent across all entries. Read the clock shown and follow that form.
9,39
